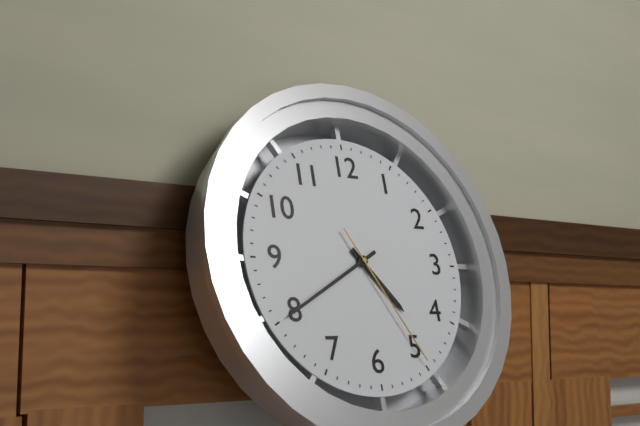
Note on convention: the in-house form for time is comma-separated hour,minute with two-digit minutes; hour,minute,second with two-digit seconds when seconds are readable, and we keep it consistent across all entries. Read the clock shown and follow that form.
4,40,25
